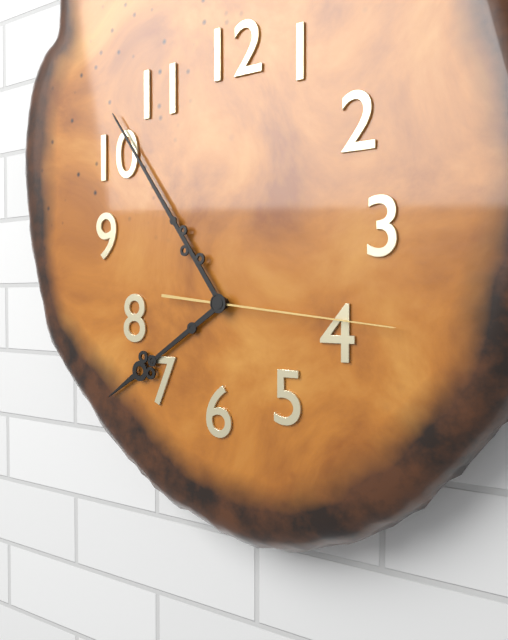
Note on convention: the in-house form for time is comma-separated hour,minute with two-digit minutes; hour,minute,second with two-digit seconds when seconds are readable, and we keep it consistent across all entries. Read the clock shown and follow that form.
7,54,16
